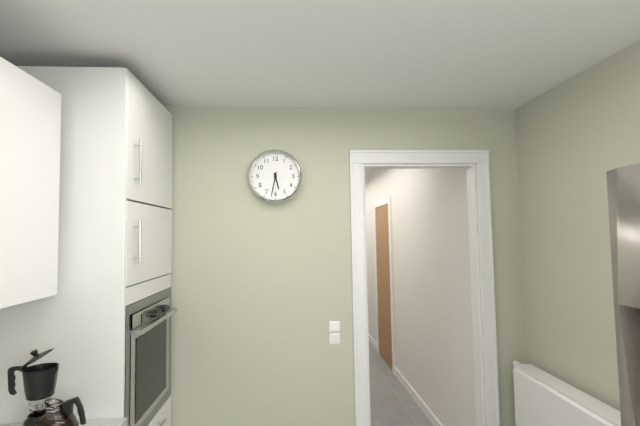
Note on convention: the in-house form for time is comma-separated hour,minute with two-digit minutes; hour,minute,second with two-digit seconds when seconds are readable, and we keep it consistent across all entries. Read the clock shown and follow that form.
5,32
